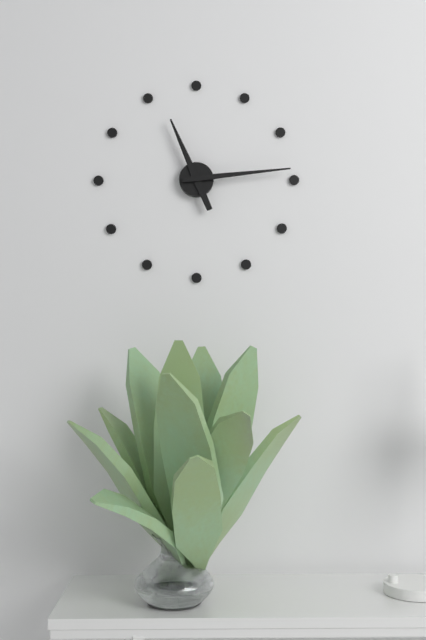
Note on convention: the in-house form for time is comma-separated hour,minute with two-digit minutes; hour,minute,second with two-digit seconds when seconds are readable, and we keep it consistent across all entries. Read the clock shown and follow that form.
11,14
